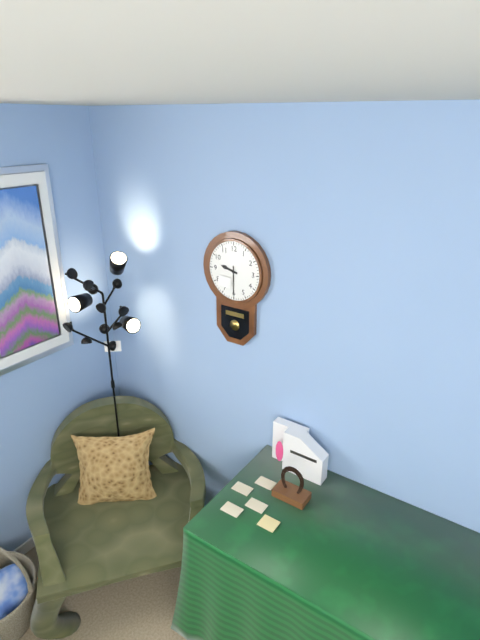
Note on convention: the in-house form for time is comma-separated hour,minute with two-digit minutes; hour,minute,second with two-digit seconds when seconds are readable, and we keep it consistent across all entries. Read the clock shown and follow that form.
9,30
